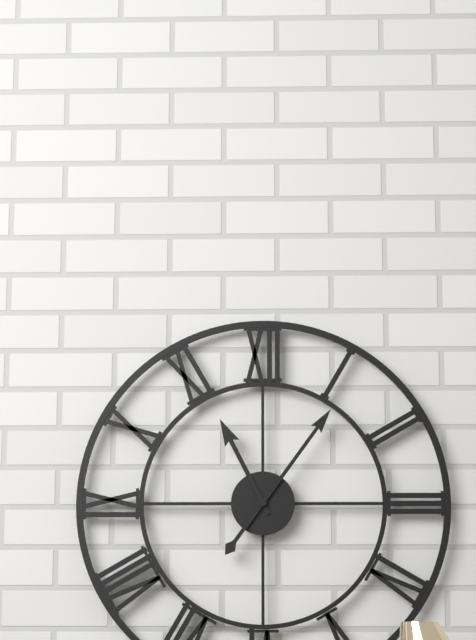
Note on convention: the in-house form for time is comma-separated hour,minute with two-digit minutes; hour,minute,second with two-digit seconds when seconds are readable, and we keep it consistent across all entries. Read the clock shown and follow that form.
11,06
